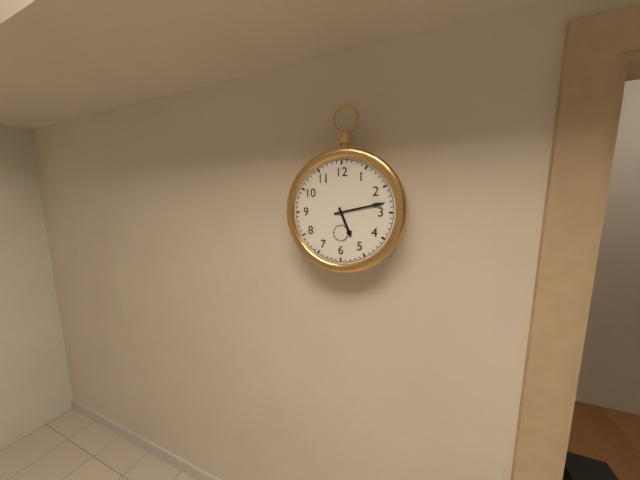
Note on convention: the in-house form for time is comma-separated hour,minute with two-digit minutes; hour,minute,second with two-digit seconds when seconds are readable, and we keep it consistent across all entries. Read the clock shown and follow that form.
5,13
